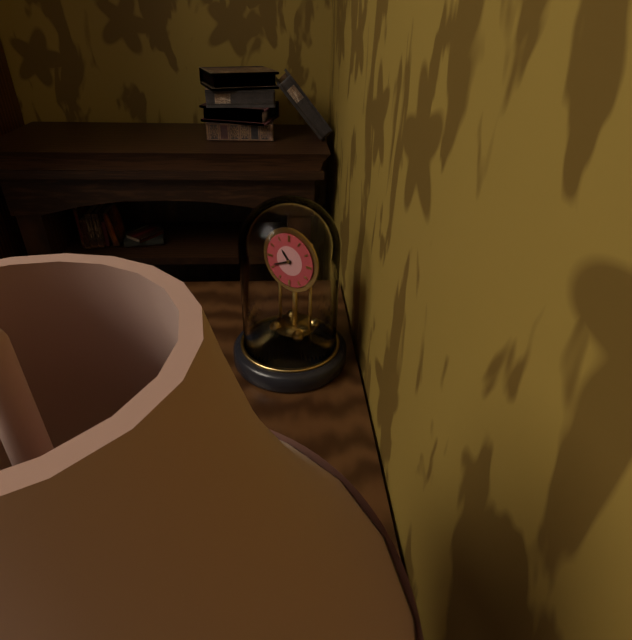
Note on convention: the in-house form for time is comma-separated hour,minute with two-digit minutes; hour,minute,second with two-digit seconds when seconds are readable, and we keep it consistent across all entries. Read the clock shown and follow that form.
10,41
